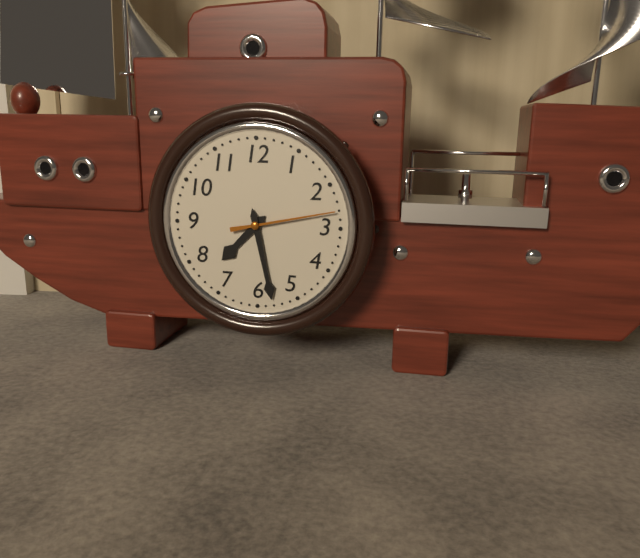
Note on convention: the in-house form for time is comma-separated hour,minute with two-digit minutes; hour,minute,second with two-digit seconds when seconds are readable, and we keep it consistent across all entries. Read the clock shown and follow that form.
7,28,13
